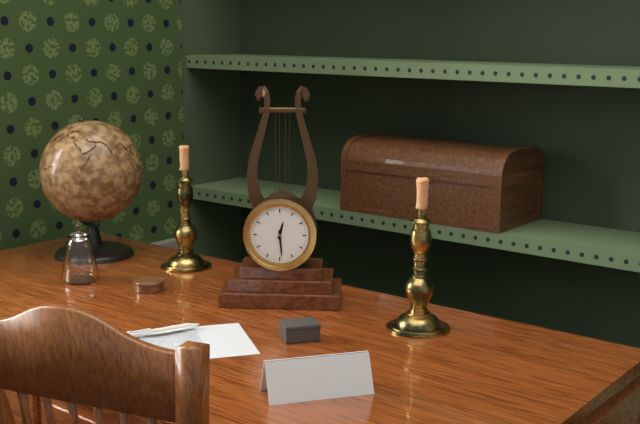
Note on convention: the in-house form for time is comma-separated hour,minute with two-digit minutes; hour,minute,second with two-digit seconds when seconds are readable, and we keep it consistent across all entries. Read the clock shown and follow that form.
12,29
